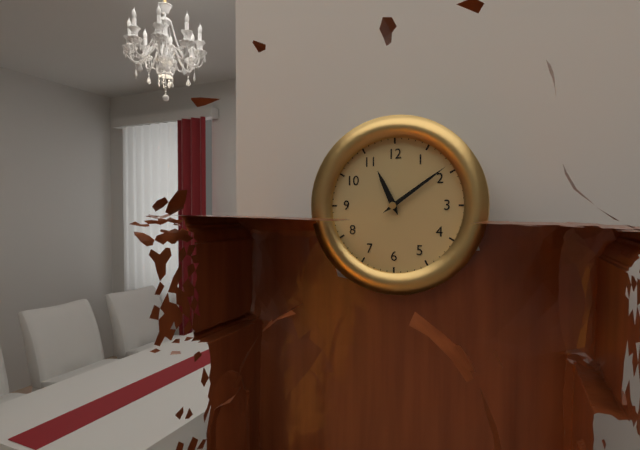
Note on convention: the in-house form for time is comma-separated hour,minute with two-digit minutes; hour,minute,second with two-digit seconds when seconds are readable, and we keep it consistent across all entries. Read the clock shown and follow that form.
11,09
